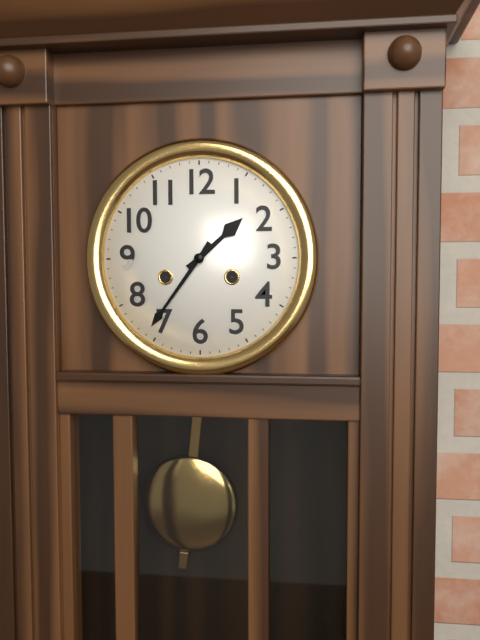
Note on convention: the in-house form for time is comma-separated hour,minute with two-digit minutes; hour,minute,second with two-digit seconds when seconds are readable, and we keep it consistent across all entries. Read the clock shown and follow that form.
1,36
